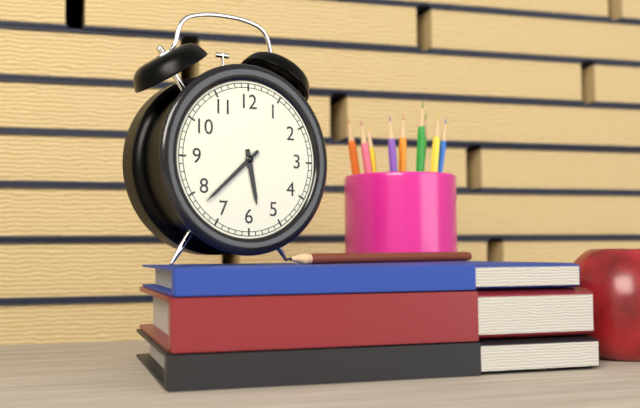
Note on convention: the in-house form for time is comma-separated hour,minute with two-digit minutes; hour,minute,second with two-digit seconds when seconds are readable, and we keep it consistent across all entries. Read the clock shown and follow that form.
5,38
